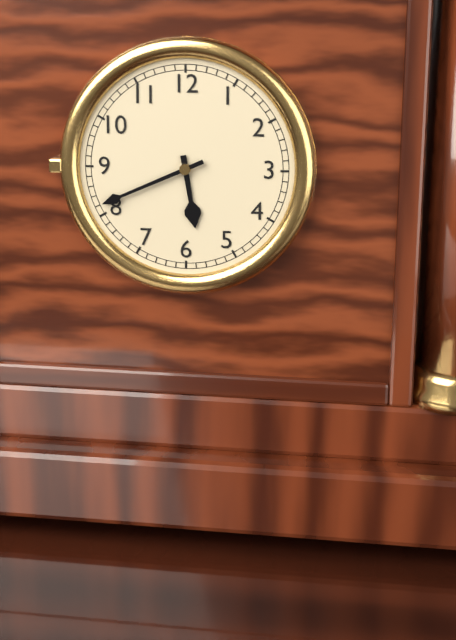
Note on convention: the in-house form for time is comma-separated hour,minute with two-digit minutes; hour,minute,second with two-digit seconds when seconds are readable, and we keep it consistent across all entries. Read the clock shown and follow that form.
5,41
